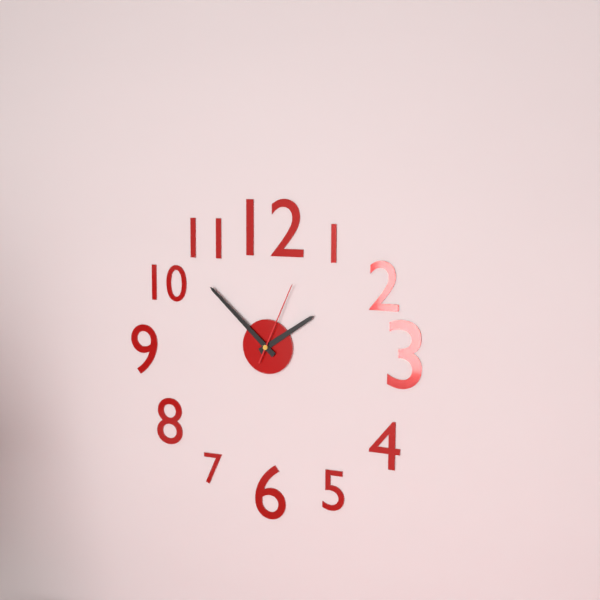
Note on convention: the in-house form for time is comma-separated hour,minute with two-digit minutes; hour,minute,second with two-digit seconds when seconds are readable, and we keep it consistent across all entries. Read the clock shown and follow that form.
1,52,04
